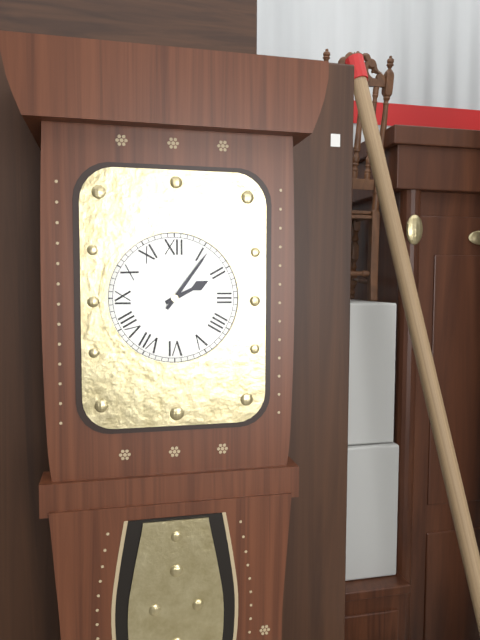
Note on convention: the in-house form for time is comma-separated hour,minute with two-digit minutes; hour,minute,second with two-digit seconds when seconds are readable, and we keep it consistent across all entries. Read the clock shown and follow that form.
2,06
